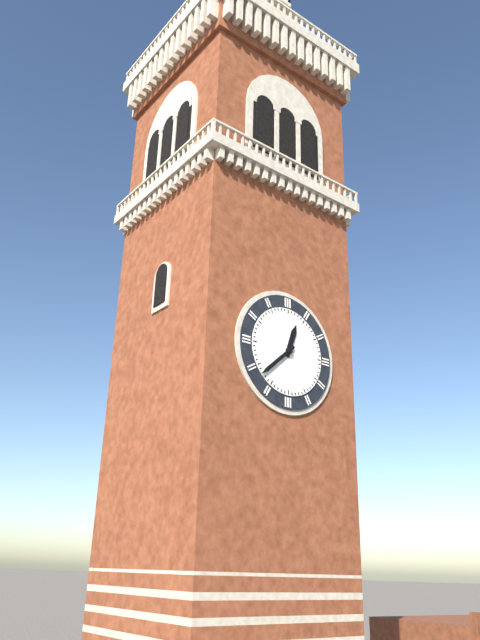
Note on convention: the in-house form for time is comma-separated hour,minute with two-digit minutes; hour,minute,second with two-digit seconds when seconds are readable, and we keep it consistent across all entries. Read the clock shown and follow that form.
12,38
